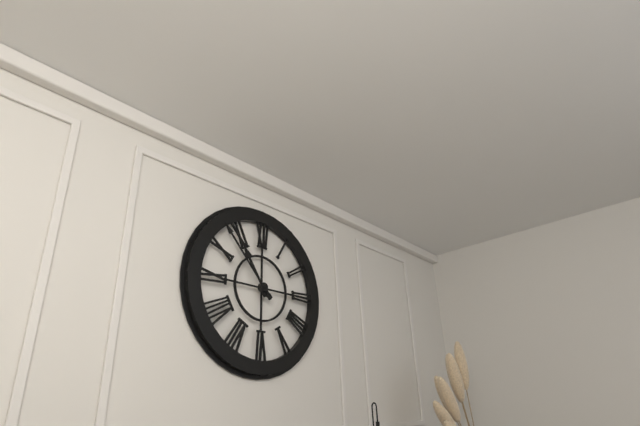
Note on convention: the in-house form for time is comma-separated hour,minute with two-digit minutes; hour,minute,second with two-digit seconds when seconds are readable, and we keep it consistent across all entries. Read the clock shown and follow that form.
10,53
